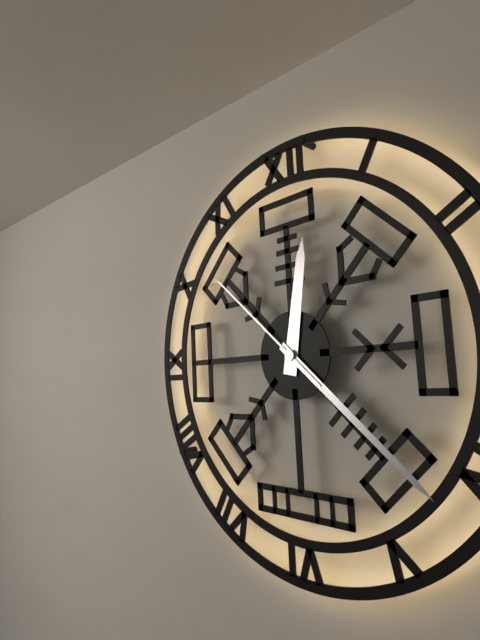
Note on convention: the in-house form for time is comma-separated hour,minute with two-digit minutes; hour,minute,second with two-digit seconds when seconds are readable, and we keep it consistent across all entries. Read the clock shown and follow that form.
12,22,52
